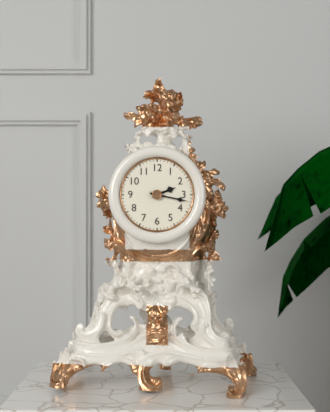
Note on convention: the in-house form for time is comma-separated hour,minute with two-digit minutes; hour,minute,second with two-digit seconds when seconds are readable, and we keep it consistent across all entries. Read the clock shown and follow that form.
2,17
